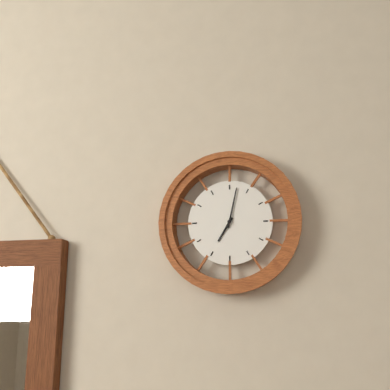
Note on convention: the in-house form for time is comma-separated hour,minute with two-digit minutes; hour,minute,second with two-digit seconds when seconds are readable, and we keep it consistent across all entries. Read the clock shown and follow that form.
7,02
